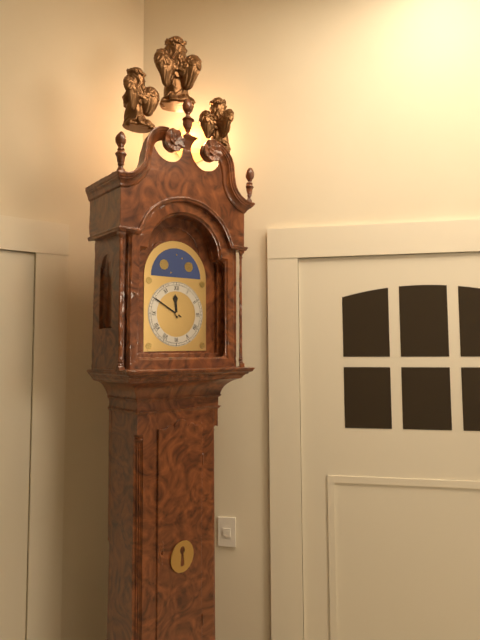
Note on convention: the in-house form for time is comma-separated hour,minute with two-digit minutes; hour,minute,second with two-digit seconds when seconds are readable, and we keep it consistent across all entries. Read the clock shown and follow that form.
11,50
